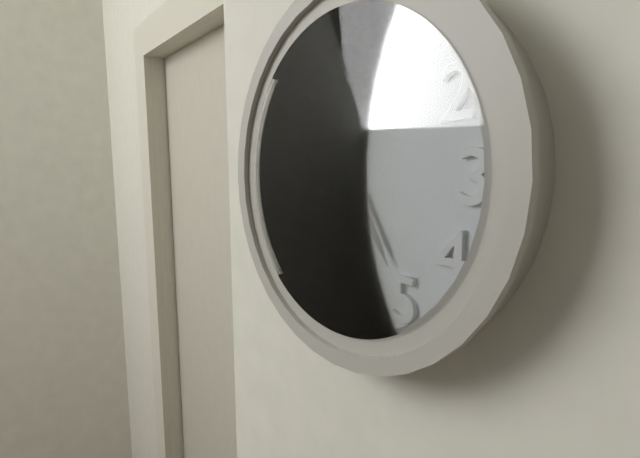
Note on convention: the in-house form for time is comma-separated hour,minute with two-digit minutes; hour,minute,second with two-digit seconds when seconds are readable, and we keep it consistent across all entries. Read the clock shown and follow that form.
4,58,28
